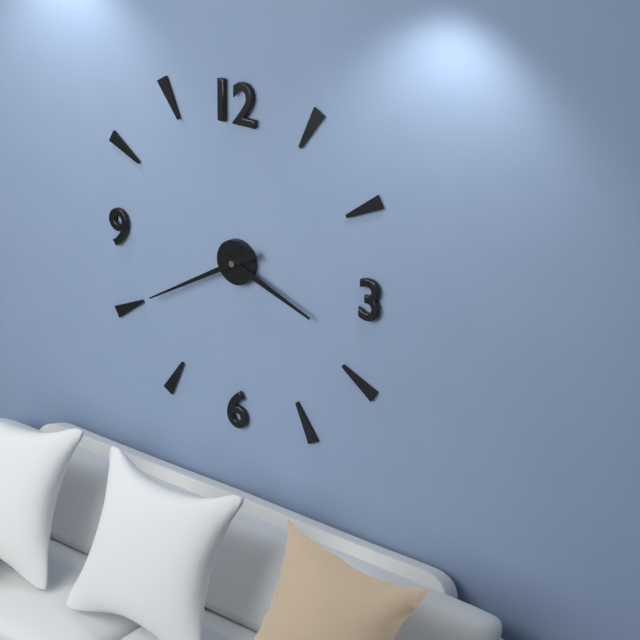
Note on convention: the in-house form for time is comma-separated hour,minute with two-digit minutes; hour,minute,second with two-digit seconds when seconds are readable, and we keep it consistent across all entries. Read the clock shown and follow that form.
3,40
